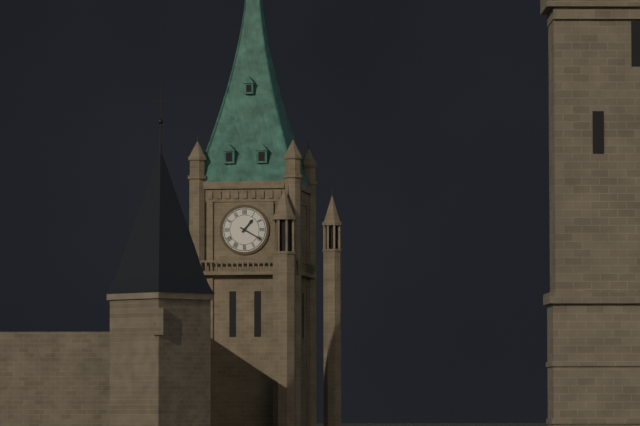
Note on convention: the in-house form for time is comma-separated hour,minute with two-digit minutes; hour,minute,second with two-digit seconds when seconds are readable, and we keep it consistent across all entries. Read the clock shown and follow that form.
1,20
